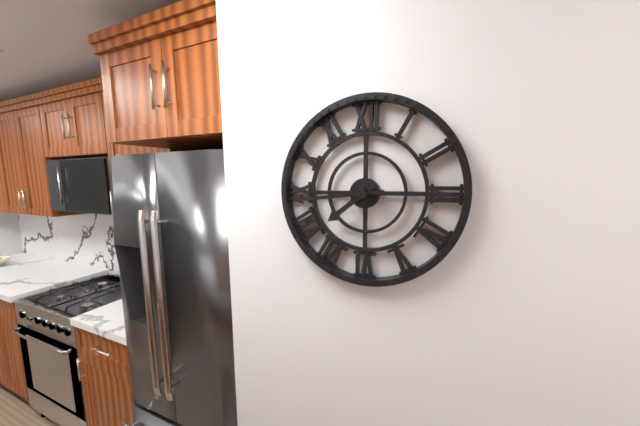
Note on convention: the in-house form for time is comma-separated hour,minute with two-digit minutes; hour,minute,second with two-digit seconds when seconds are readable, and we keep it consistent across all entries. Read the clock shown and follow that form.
7,44
